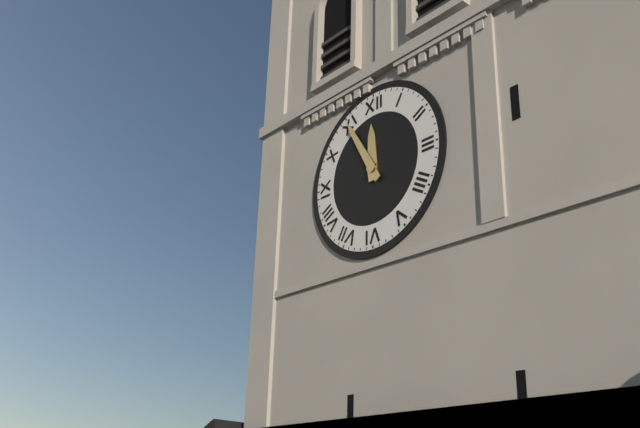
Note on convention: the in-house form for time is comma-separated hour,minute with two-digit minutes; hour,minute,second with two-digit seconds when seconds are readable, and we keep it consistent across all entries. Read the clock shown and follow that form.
11,55
